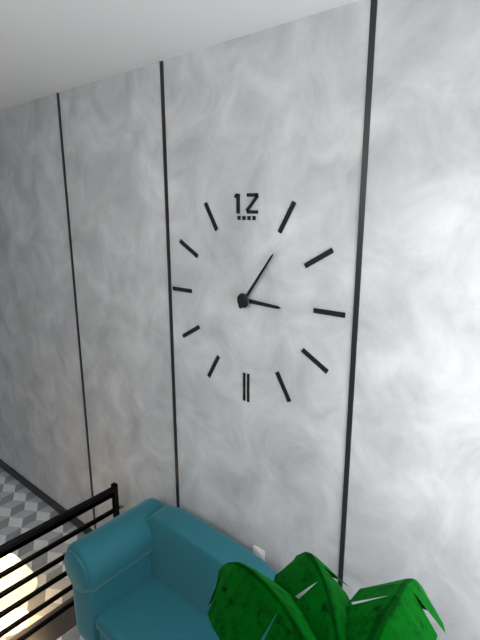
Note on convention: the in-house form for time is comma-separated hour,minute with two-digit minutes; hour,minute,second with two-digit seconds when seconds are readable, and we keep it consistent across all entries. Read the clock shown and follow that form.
3,06
